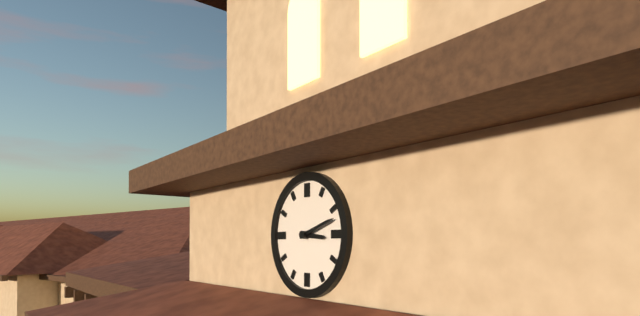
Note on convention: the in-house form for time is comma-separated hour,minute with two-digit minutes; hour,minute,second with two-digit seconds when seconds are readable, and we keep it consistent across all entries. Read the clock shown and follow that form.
3,12
